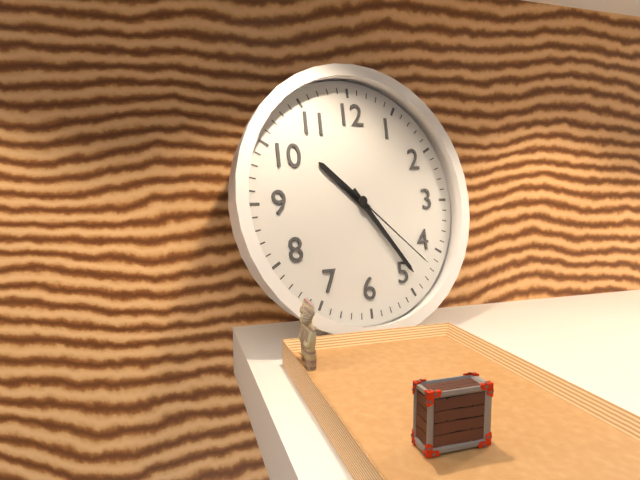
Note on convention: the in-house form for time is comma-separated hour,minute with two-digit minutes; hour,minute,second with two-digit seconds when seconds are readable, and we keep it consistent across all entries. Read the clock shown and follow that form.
10,24,22
